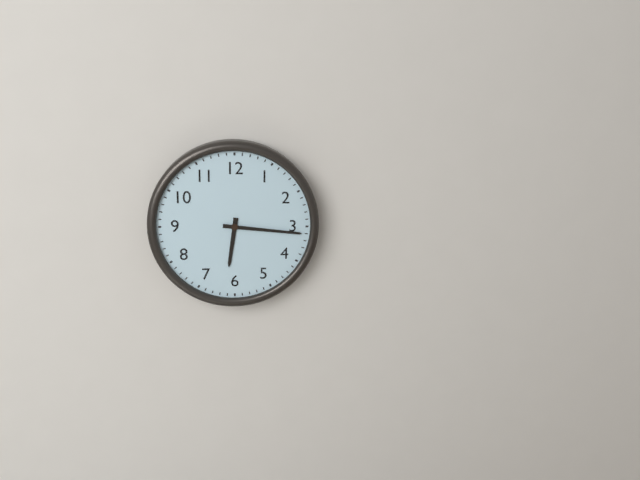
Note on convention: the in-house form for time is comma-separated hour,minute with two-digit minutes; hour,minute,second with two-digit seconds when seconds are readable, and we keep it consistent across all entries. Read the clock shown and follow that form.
6,16
